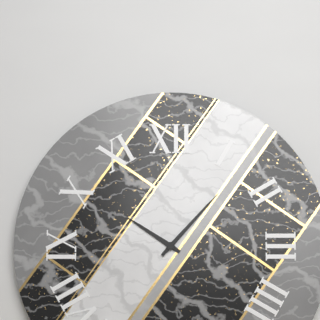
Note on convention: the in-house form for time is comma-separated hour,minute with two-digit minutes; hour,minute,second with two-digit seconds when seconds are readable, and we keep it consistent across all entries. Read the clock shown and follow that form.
10,07
